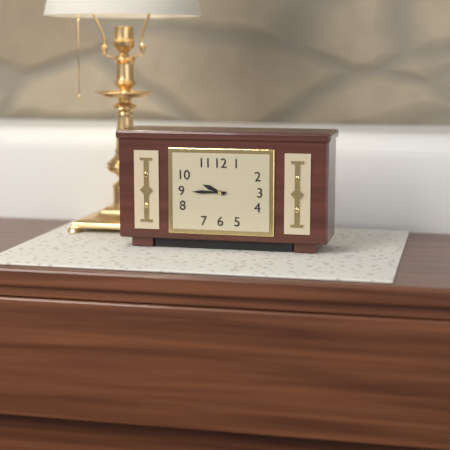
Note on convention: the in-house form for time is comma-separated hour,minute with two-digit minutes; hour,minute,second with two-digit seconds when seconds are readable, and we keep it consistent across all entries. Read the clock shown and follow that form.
9,45
